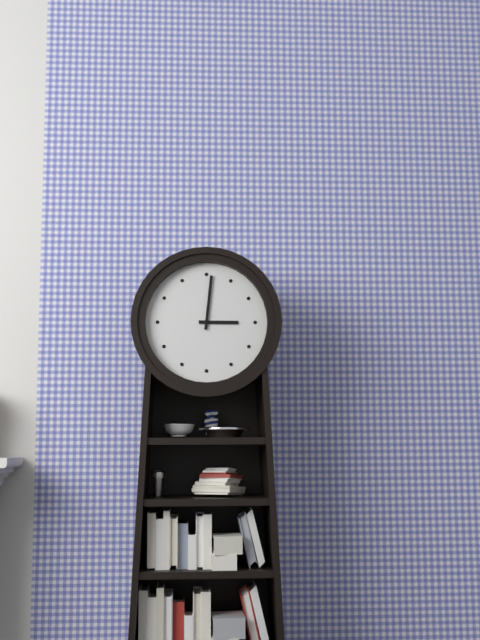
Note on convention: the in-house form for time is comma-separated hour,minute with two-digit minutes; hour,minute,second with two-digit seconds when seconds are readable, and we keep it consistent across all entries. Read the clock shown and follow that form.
3,01
